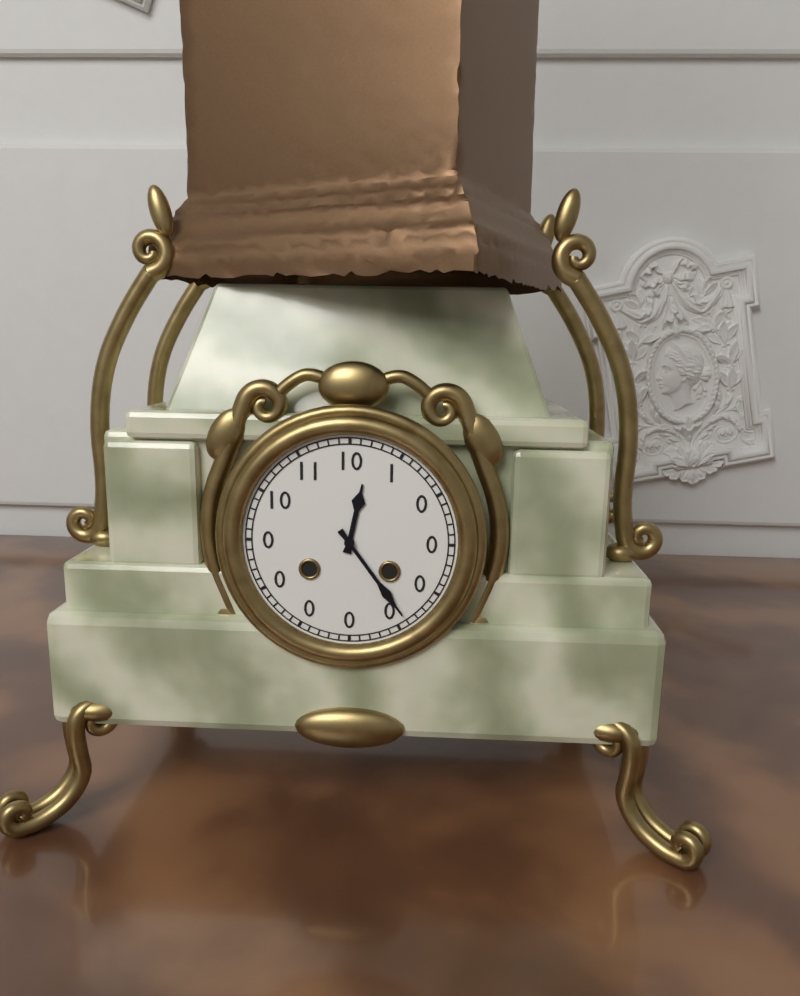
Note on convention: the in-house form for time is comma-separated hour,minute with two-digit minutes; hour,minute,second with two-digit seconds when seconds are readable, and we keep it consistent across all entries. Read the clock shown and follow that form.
12,24
